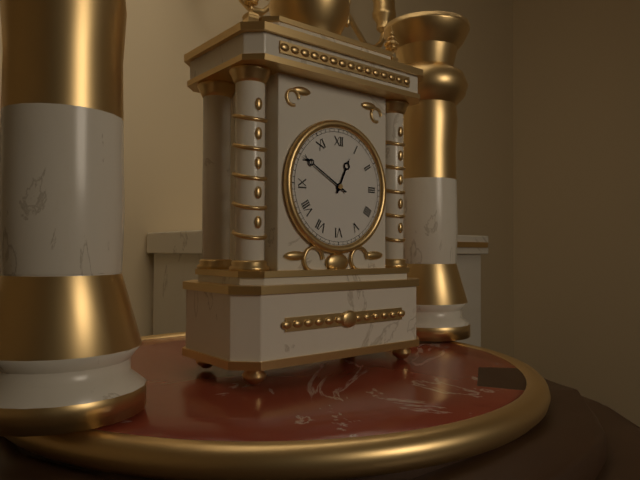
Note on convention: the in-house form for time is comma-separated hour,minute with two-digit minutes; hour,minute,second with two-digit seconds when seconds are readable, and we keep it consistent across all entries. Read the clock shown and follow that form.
12,50
